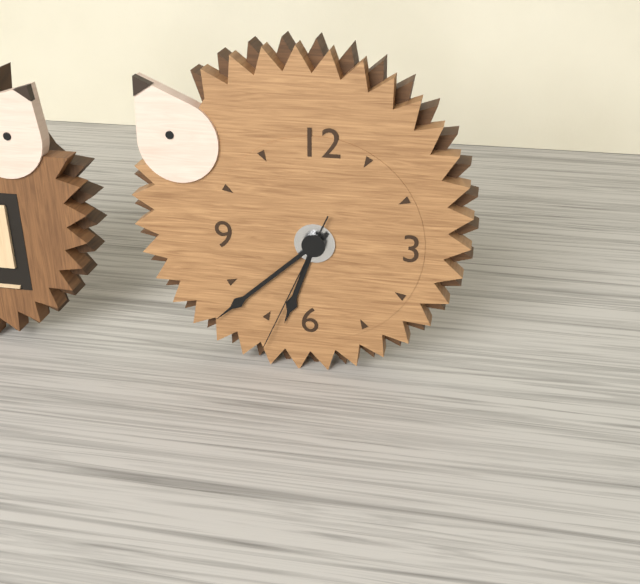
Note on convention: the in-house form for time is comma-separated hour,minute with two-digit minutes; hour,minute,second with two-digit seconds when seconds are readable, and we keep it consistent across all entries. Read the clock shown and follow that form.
6,38,34
